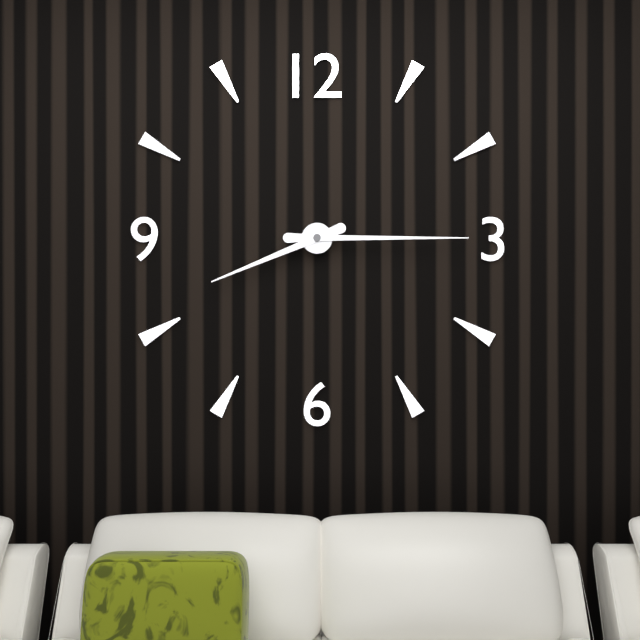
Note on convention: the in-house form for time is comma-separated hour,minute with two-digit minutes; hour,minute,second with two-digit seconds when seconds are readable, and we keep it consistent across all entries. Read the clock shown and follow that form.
8,15
